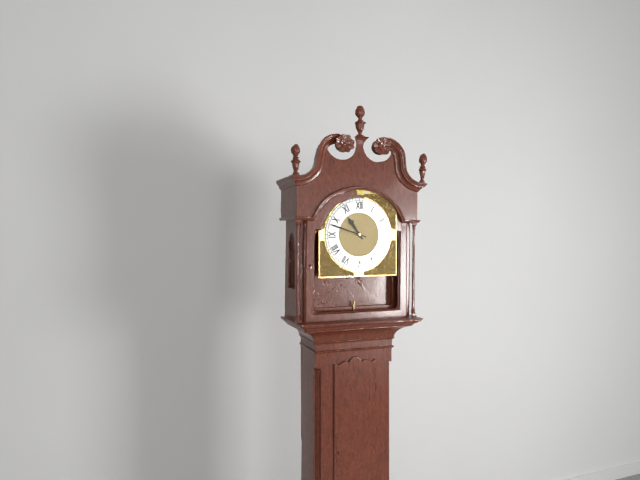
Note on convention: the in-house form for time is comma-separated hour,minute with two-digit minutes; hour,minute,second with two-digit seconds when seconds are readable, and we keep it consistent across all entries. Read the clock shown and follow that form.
10,48
